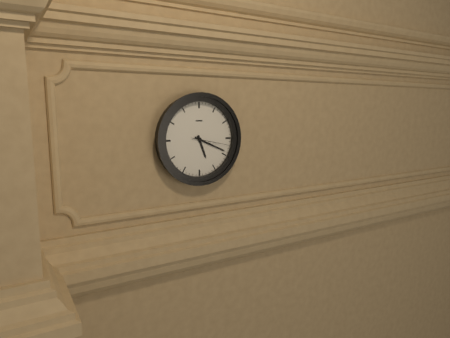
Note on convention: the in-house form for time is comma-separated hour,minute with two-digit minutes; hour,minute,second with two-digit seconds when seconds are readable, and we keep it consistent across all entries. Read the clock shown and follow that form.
5,19
